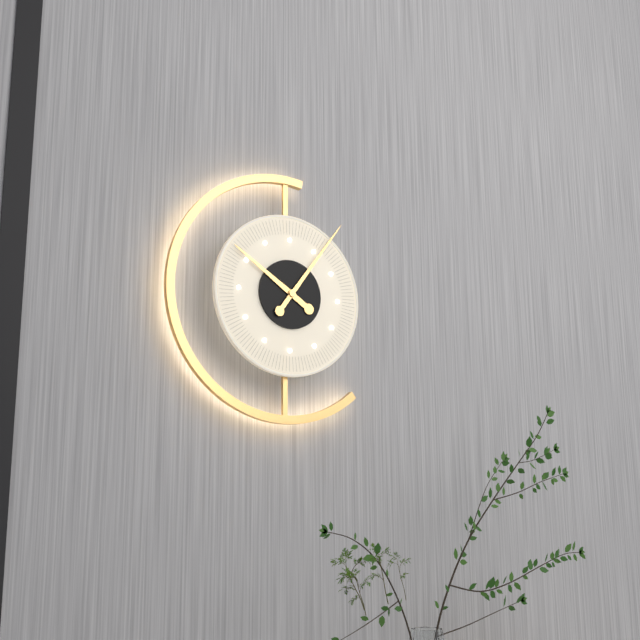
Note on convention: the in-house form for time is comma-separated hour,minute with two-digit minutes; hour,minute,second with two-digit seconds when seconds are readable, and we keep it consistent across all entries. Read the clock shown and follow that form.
10,06
